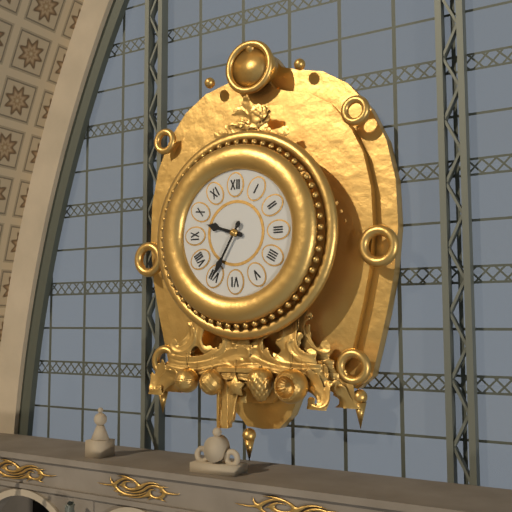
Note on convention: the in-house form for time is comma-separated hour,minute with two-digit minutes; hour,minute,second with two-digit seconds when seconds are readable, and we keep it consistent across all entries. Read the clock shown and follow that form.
9,35
